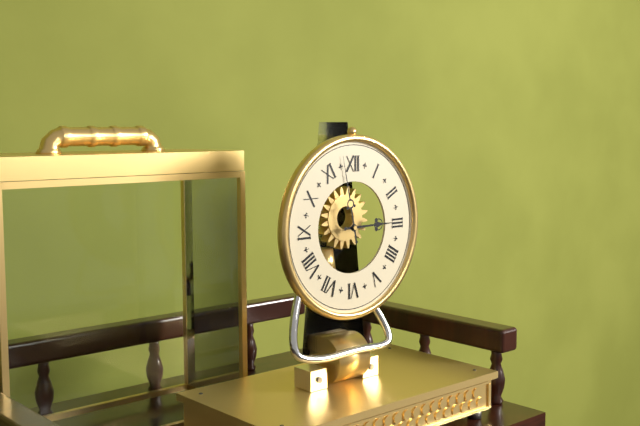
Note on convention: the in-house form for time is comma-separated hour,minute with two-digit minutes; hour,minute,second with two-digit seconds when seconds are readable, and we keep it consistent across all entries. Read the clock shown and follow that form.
2,58
